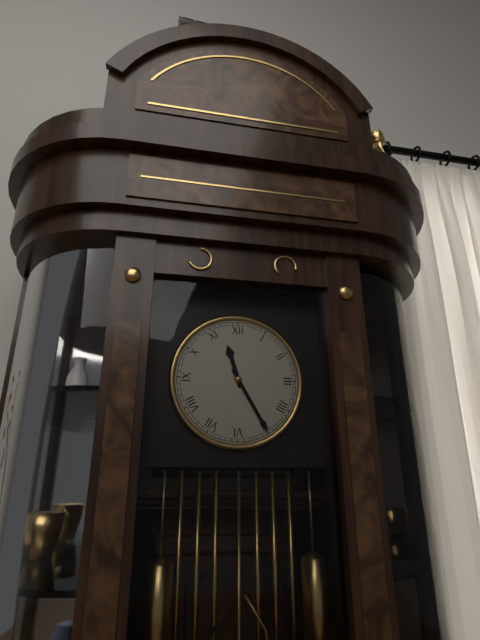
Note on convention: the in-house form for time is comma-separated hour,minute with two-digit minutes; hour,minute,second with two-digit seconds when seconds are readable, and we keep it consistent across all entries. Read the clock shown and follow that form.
11,25
